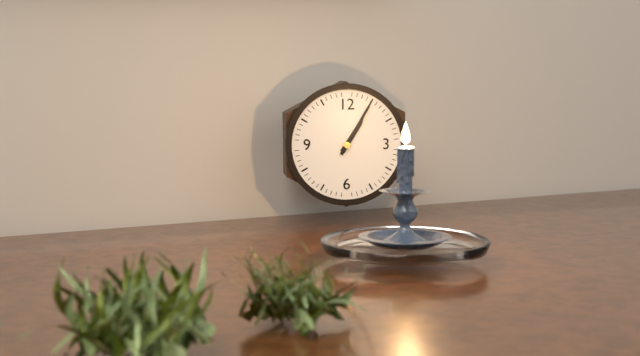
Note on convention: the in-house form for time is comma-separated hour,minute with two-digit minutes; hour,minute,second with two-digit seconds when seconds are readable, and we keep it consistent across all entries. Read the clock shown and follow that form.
1,05
